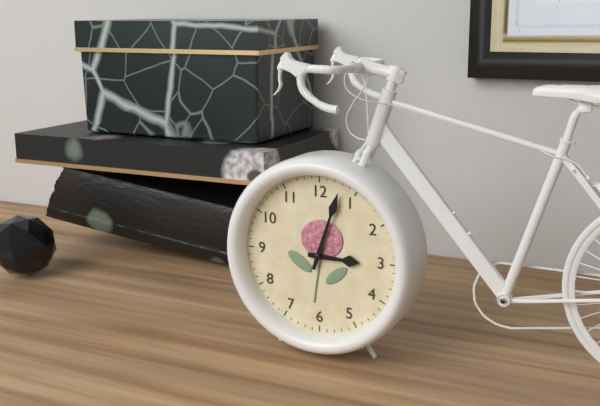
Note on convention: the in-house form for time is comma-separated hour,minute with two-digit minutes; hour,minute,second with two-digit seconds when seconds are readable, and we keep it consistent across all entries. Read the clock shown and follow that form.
3,03
